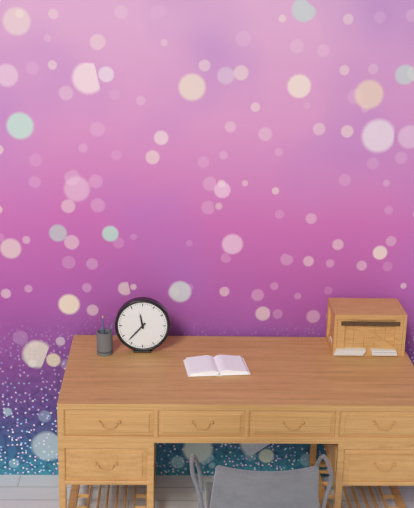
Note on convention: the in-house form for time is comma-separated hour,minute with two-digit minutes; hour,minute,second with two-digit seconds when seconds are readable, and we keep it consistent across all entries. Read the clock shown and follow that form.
11,37
